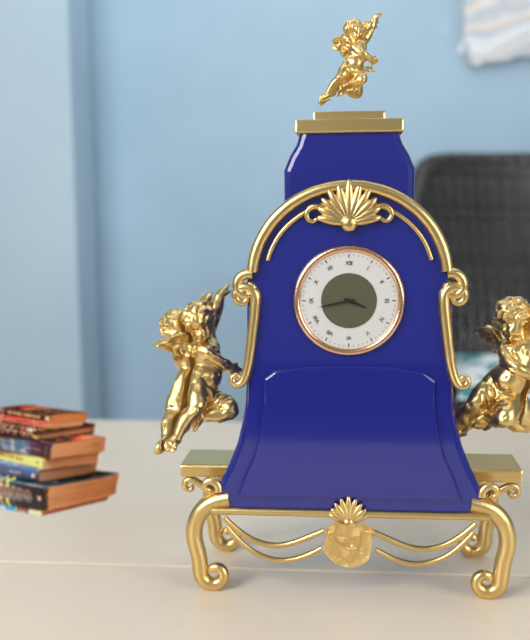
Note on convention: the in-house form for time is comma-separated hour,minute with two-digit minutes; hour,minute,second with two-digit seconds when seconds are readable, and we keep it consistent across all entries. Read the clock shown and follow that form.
3,43
